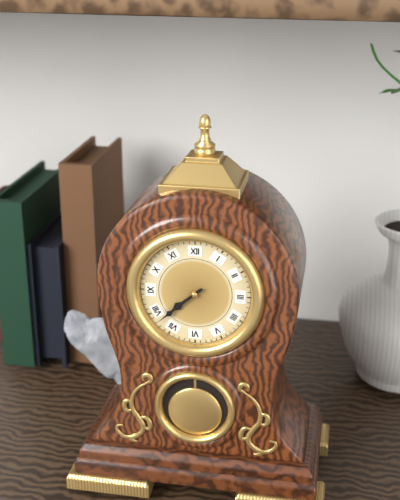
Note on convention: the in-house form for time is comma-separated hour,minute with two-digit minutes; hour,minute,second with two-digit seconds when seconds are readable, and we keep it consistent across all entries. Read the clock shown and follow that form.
7,38
